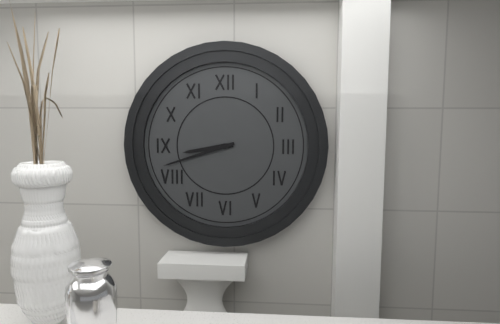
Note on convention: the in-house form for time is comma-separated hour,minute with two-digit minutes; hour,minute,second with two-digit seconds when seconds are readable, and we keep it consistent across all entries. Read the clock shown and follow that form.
8,42
